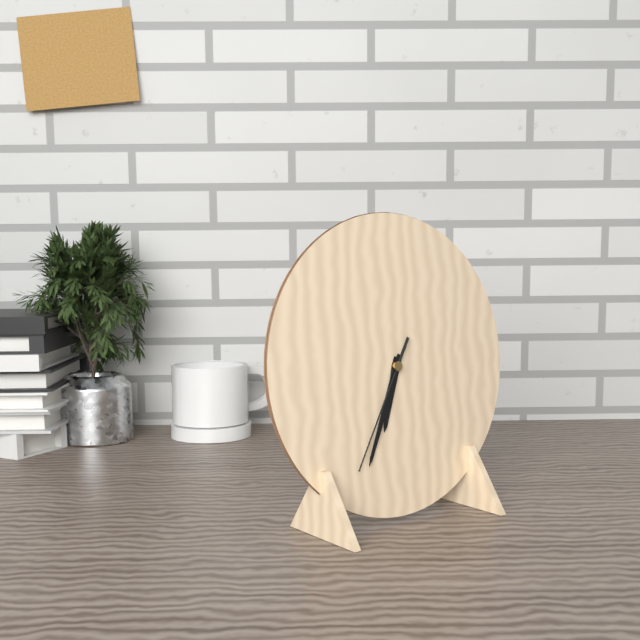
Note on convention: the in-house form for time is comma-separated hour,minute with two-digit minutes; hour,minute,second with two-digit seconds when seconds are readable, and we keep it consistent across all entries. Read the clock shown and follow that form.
6,34,35
